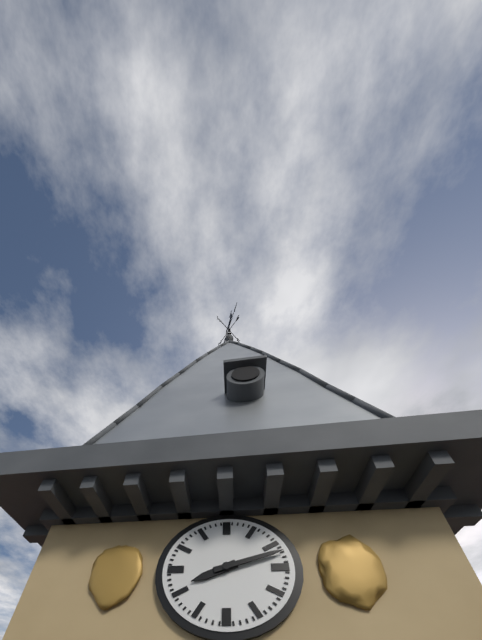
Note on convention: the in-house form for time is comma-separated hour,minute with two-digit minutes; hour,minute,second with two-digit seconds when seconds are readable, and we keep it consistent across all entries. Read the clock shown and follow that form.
8,12
